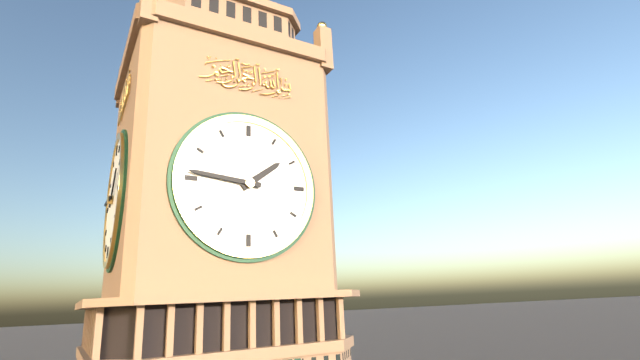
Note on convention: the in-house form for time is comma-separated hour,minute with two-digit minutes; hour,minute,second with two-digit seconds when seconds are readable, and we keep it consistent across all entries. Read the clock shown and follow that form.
1,46
